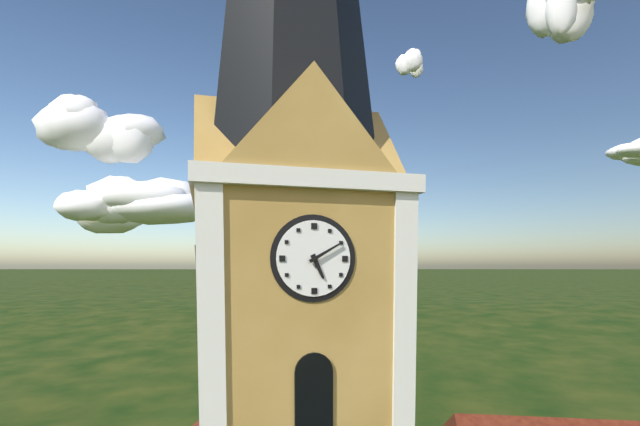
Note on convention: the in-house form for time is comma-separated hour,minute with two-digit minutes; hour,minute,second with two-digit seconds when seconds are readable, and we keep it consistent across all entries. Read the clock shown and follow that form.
5,10
